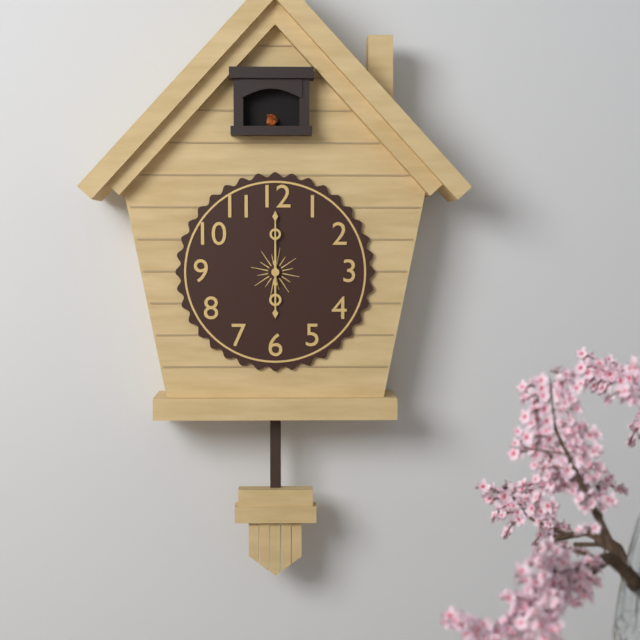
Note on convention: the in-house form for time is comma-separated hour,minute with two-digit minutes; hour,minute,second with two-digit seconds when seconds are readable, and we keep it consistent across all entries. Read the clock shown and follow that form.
6,00
